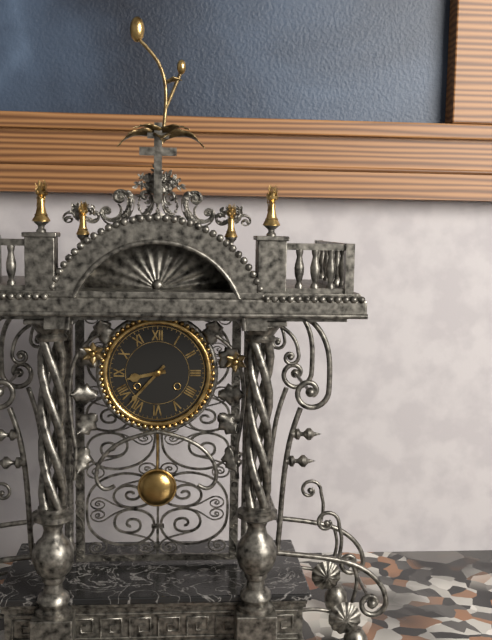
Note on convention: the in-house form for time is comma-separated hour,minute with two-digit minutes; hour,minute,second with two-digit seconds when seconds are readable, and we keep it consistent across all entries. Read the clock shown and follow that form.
8,37
